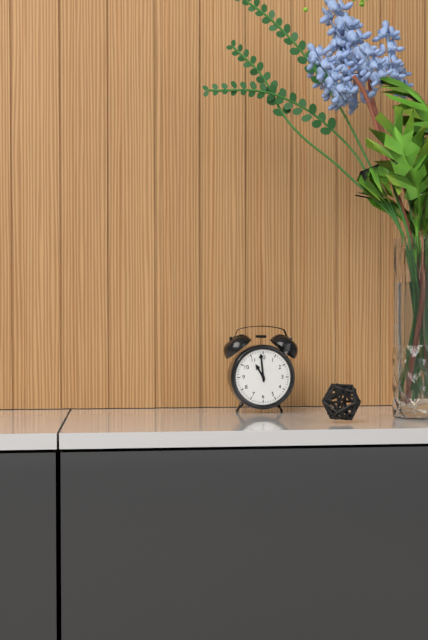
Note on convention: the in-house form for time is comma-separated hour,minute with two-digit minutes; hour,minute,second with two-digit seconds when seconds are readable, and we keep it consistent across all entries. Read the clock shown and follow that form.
10,59
